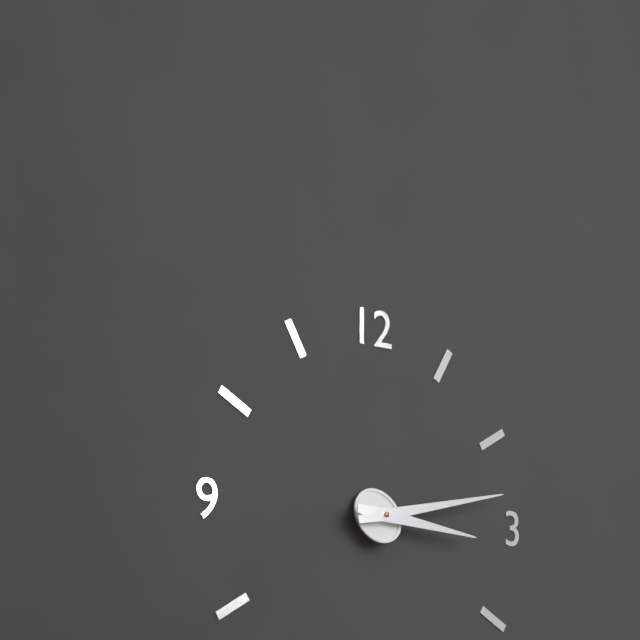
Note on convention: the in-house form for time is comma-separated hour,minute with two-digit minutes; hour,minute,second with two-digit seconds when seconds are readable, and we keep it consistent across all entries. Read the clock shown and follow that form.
3,13
